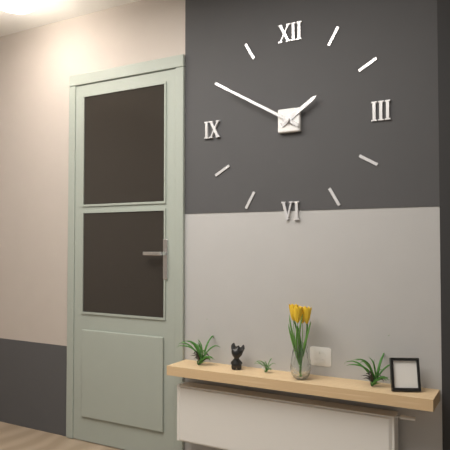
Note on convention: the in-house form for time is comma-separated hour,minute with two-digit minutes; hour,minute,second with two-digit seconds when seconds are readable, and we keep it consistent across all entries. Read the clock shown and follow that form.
1,50
